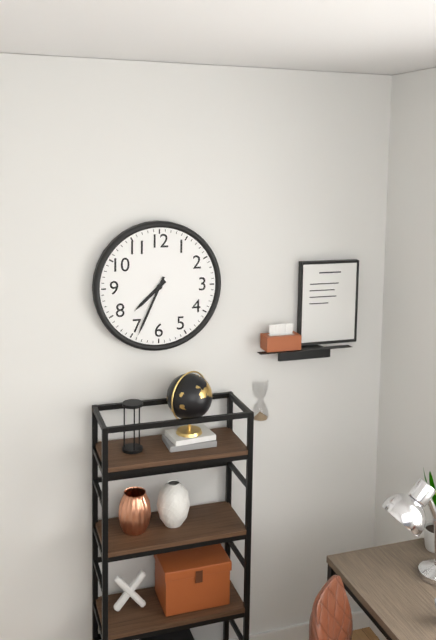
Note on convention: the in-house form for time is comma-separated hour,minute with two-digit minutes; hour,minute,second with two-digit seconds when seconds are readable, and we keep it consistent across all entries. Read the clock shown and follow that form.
7,34
